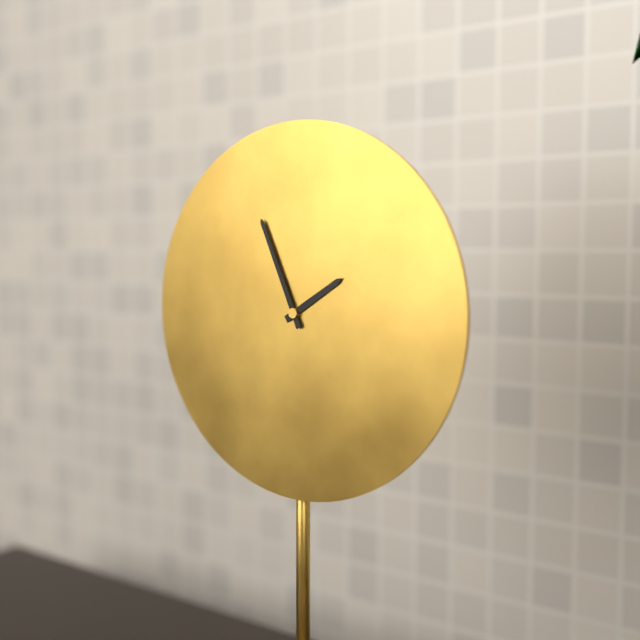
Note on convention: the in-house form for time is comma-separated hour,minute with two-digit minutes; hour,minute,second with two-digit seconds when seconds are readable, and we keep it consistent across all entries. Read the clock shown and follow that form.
1,56
